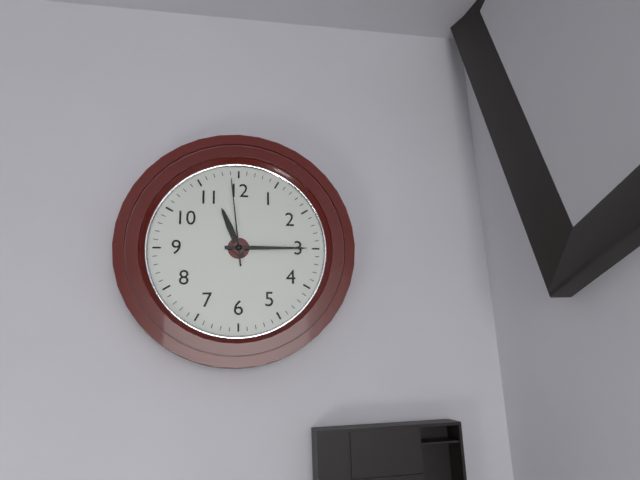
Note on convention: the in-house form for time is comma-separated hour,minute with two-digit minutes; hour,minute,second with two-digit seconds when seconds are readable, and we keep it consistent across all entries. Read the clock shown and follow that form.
11,15,59
